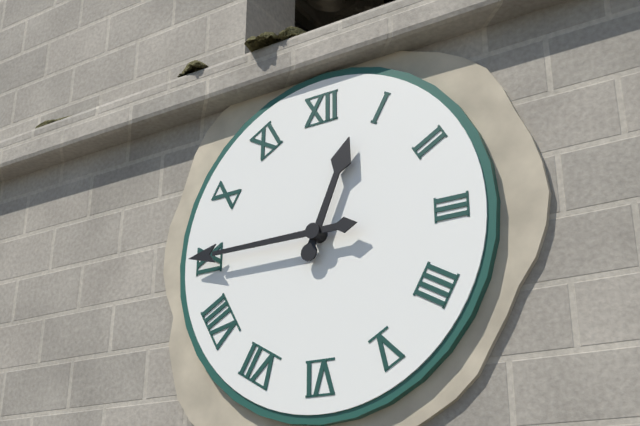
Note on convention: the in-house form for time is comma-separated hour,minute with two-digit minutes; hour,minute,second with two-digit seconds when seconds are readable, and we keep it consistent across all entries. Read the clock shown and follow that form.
12,45
